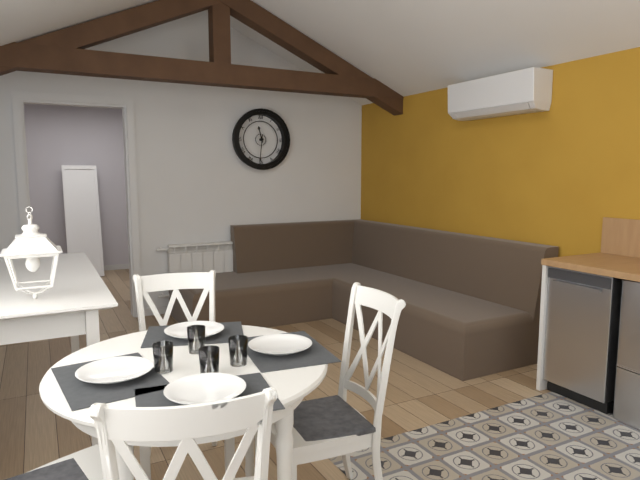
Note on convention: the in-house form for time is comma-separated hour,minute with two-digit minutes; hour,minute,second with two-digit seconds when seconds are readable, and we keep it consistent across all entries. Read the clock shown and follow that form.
11,31
